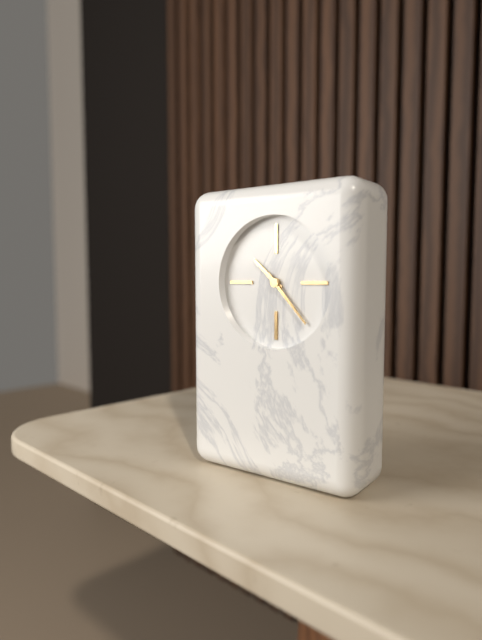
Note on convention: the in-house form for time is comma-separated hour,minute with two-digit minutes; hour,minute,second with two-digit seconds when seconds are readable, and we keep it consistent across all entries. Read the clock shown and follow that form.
10,23
